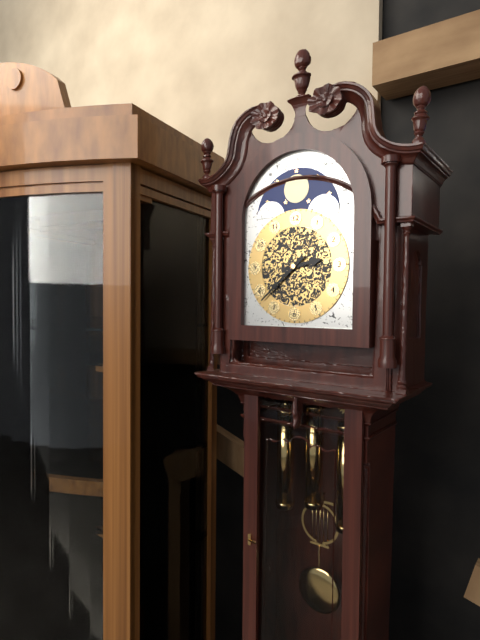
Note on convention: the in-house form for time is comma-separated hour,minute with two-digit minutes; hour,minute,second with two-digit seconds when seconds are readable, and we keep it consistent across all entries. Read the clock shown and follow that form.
2,38
